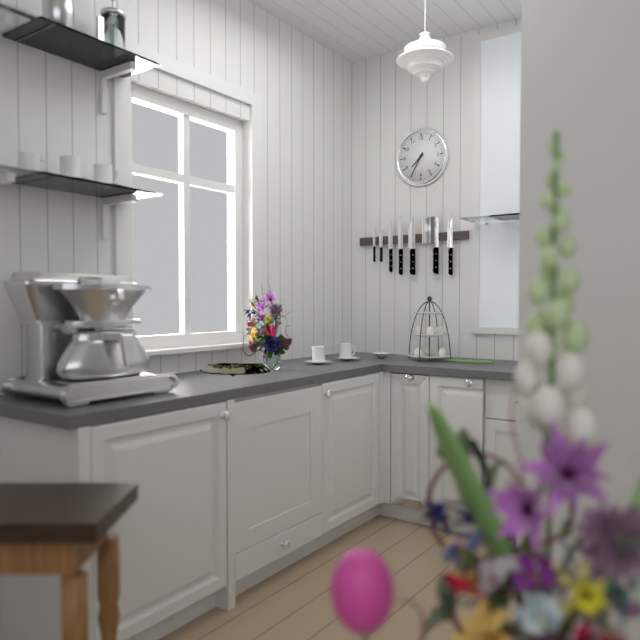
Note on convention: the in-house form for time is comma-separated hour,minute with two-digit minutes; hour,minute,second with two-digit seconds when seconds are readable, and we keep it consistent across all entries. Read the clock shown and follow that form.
7,35
